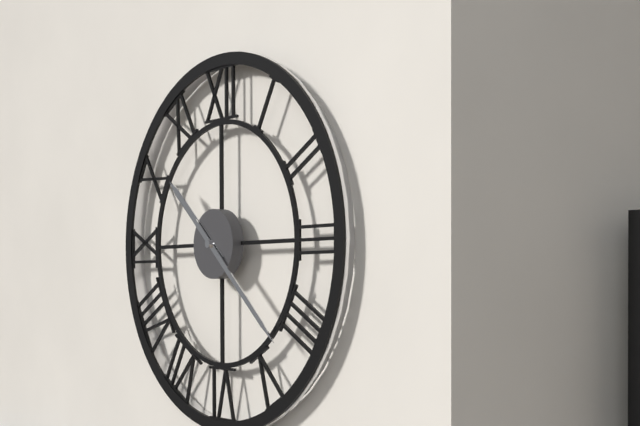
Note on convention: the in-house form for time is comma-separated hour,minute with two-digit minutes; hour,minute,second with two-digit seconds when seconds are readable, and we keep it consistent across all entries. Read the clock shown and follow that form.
10,22
